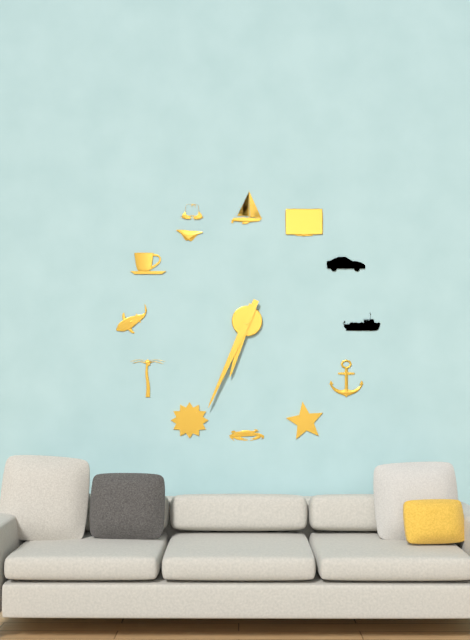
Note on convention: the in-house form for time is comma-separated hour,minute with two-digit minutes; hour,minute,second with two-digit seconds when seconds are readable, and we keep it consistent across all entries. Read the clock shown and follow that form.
6,34
